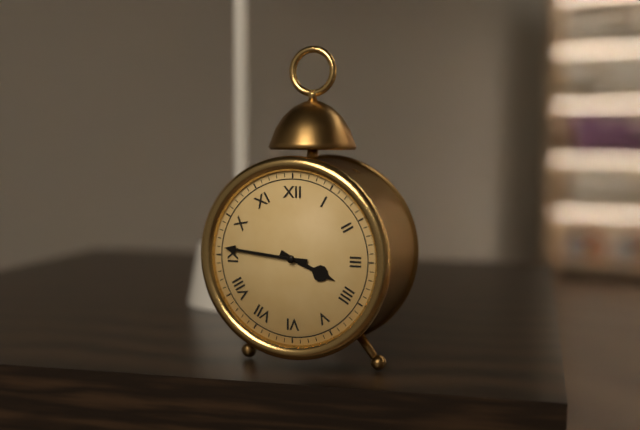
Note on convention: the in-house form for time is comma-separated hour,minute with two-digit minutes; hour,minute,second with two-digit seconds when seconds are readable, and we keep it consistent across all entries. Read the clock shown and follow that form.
3,46
